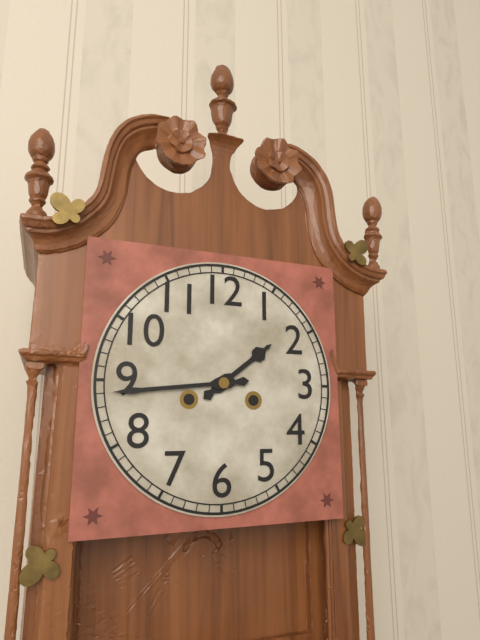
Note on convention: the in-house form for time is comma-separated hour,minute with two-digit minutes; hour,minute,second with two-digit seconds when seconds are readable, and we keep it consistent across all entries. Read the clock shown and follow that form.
1,44
